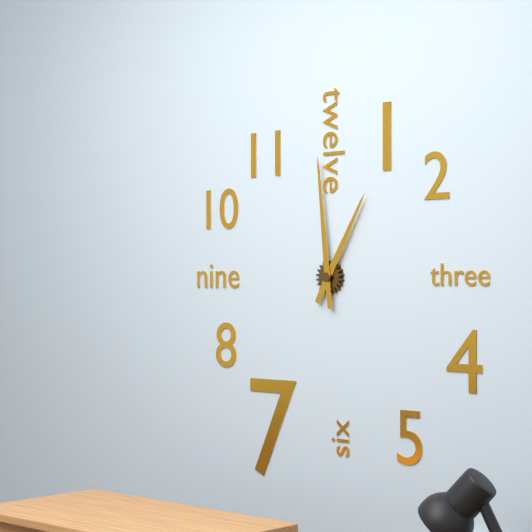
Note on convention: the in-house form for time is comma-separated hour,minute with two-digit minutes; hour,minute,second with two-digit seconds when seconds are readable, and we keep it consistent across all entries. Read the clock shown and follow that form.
12,59
